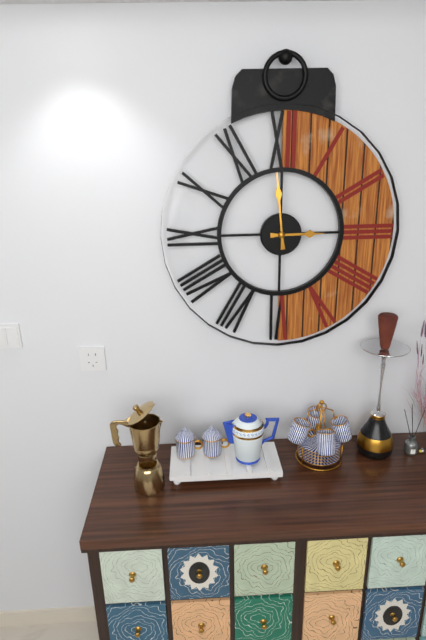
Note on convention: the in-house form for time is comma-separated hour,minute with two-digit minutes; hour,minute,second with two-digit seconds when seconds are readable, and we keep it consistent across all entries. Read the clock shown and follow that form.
2,59
